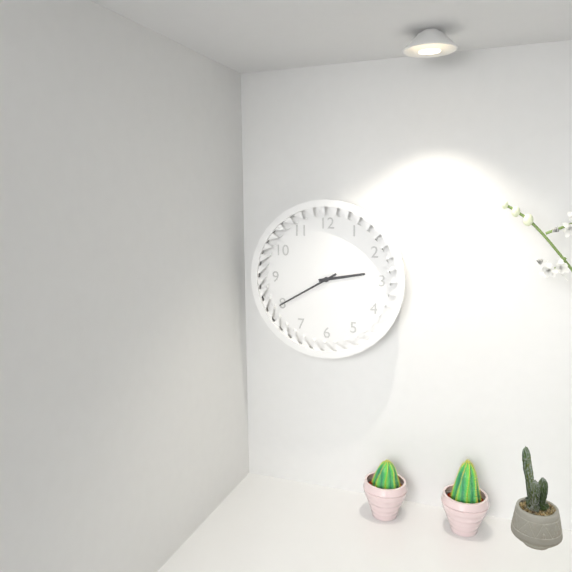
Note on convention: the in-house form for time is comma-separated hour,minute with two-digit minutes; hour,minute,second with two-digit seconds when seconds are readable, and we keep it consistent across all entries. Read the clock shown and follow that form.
2,40
